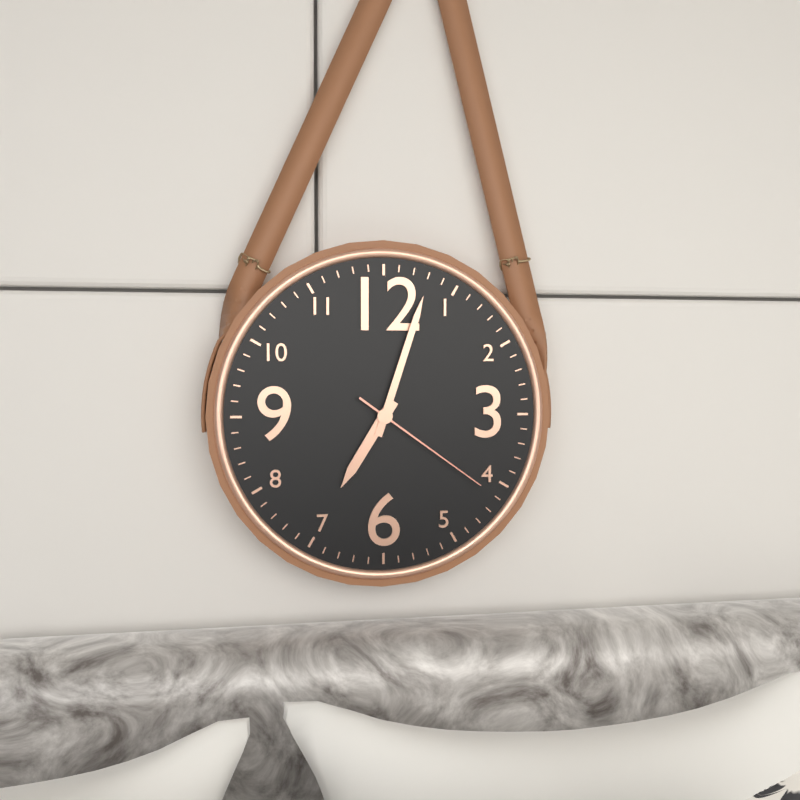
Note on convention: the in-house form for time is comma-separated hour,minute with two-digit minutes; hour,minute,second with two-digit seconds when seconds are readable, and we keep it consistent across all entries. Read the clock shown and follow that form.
7,03,21
